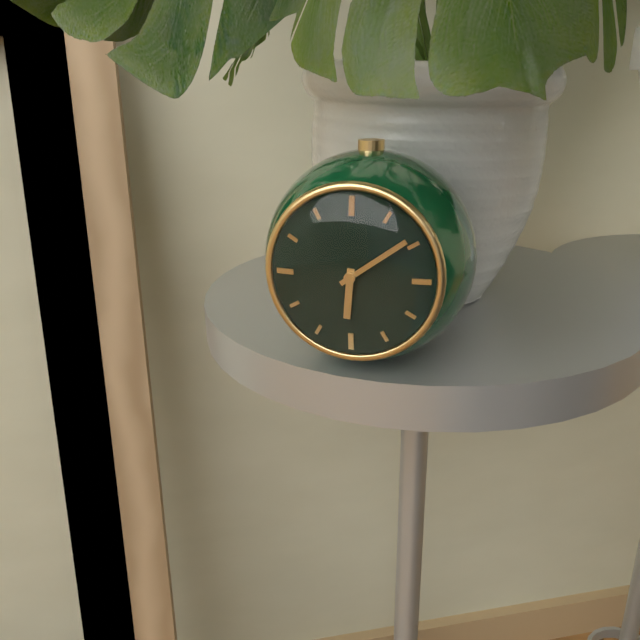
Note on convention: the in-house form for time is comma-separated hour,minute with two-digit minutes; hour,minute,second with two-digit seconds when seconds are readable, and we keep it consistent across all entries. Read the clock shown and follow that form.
6,09
